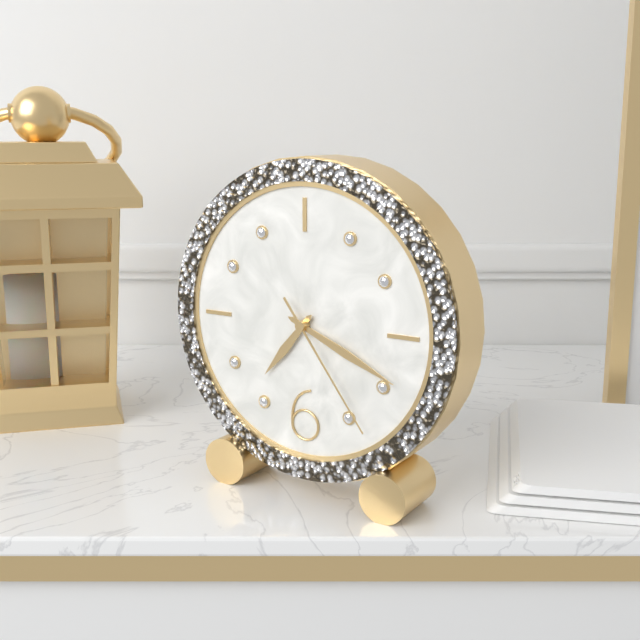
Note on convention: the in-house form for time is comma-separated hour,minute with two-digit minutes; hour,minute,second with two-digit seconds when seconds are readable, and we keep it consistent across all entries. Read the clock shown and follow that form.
7,19,24
